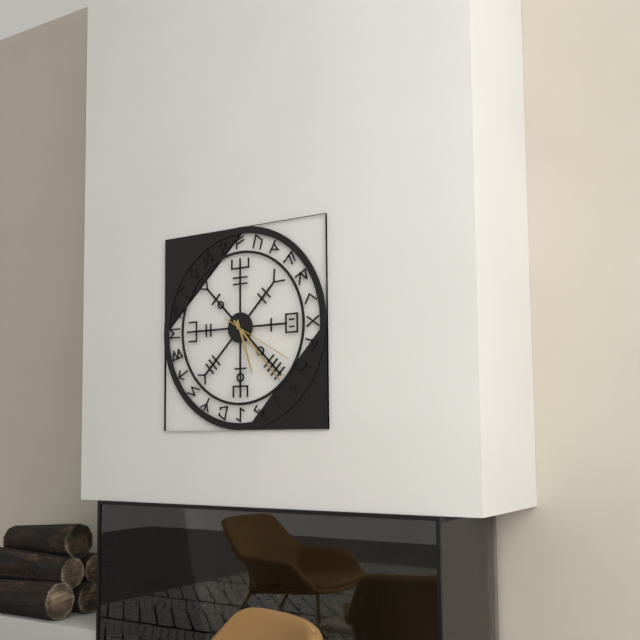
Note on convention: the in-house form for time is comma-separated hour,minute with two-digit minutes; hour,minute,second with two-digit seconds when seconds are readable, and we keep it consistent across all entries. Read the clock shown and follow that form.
5,23,20
